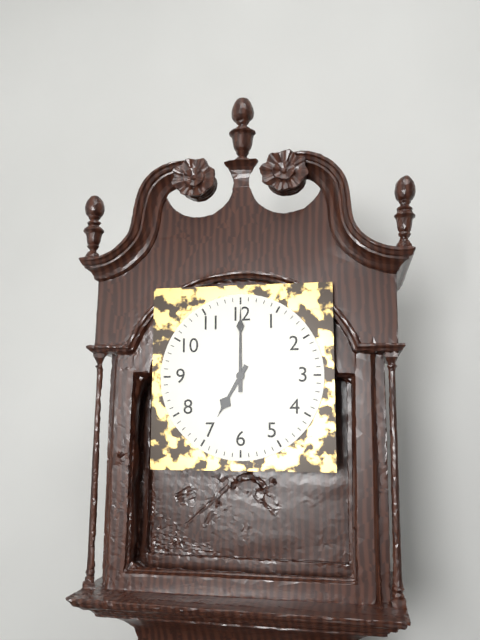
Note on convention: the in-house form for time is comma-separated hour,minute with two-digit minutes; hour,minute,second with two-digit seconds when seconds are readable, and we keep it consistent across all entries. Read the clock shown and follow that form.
7,00
